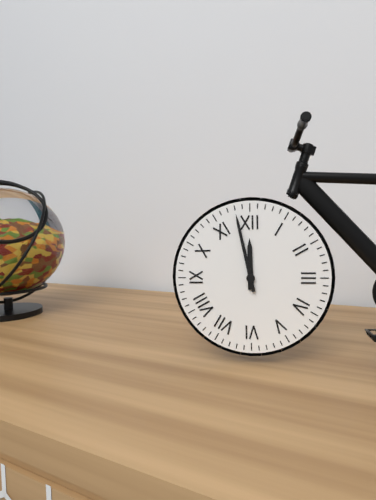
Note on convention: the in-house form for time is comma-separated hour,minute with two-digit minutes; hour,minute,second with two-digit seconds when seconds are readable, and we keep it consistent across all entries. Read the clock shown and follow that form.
11,58
